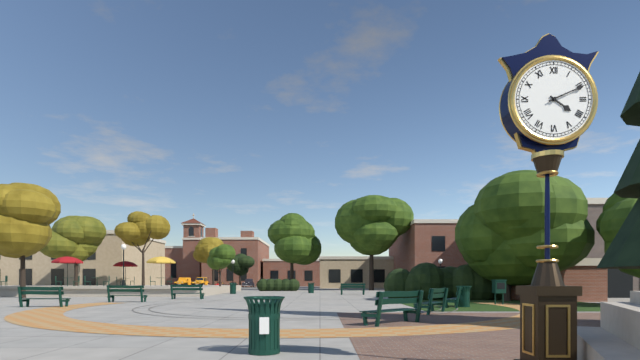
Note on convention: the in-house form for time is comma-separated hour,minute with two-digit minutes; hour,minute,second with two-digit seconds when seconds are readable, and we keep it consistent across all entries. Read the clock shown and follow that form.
4,11
